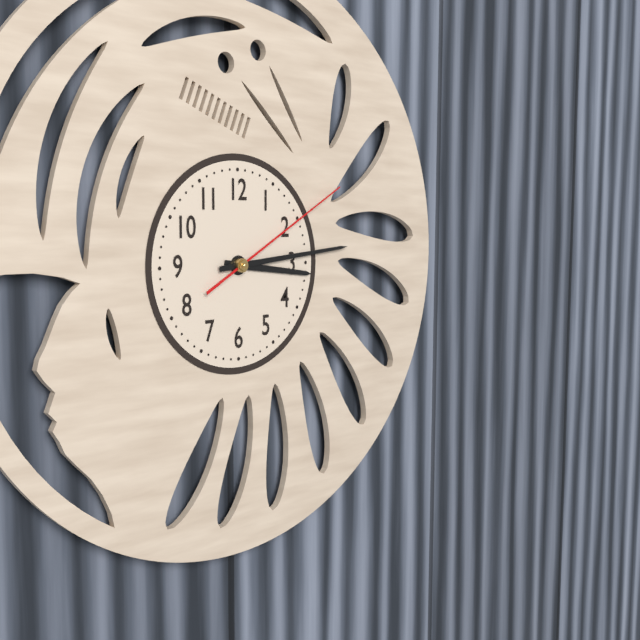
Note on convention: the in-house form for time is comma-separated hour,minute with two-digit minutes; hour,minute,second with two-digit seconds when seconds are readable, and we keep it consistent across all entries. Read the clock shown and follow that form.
3,14,10
